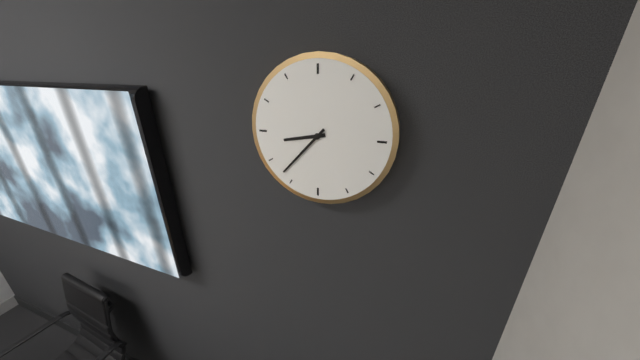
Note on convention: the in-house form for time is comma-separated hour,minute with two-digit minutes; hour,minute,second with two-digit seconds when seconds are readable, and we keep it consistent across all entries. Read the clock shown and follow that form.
8,37
